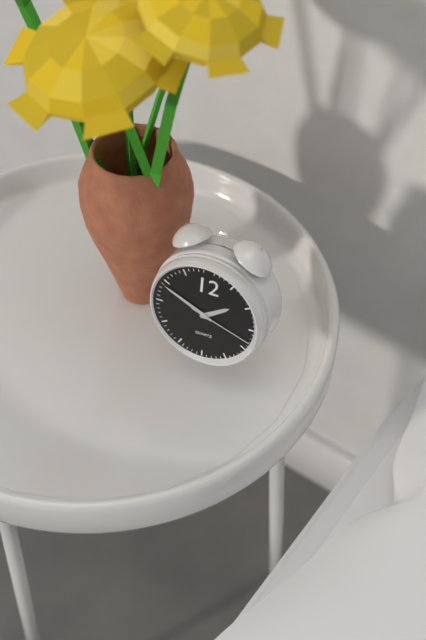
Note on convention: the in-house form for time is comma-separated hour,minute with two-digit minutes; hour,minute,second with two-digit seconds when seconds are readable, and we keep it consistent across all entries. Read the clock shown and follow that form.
1,49,18
